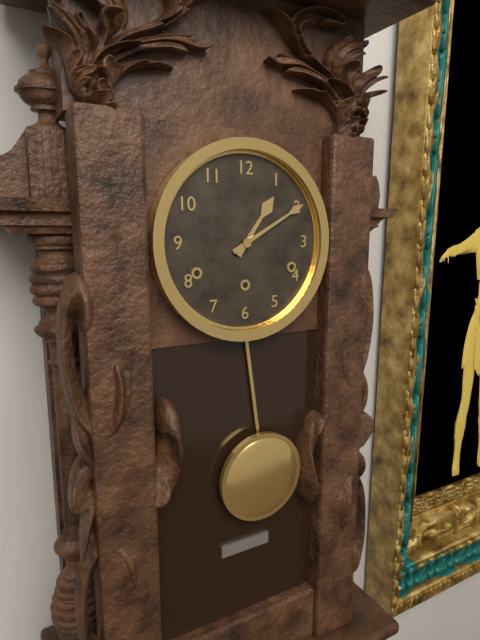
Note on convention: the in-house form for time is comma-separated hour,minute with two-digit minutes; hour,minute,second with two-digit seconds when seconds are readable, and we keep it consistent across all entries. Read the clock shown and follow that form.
1,10
